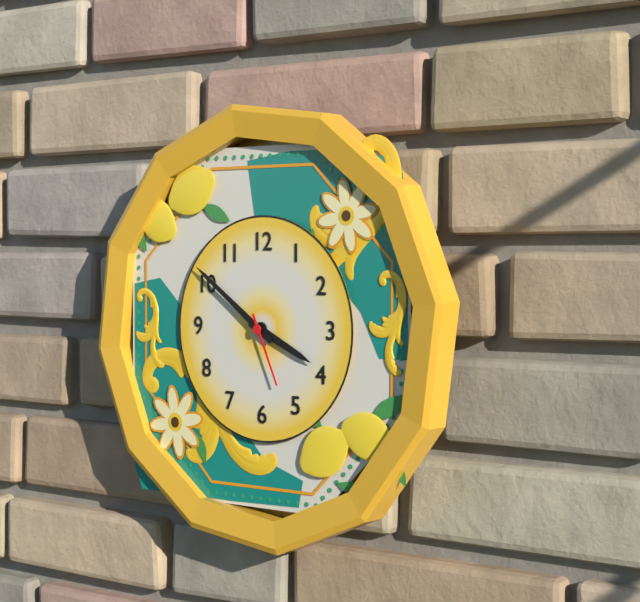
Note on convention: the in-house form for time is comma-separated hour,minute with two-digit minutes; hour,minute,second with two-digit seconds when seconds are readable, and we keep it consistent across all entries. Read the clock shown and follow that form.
3,51,26
